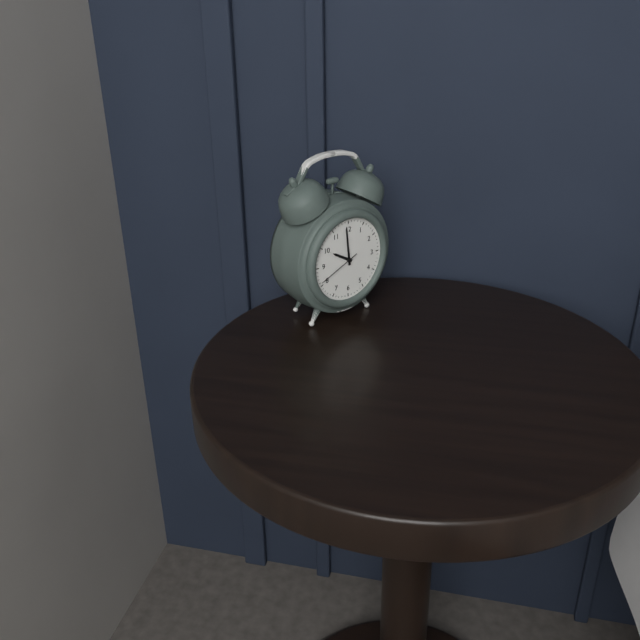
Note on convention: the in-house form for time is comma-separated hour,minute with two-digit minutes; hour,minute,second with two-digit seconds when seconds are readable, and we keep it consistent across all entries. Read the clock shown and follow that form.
9,59
